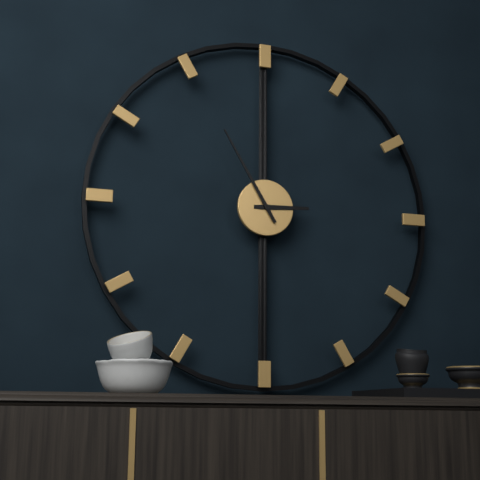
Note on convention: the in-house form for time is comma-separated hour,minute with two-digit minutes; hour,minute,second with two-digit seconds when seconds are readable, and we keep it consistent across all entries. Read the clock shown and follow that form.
2,55
